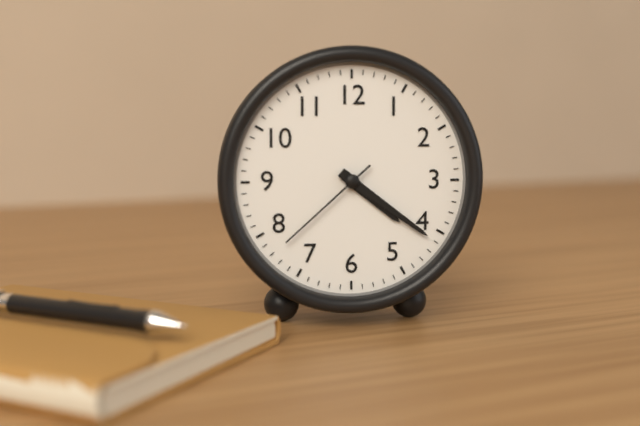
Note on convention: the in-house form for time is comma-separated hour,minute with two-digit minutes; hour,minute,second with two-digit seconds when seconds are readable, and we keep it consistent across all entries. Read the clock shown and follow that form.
4,21,38
